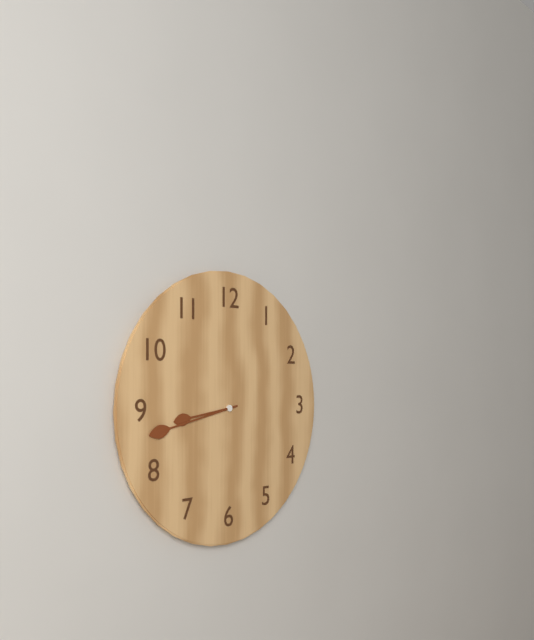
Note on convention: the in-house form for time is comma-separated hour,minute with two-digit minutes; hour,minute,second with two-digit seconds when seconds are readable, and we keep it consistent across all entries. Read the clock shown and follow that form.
8,43
